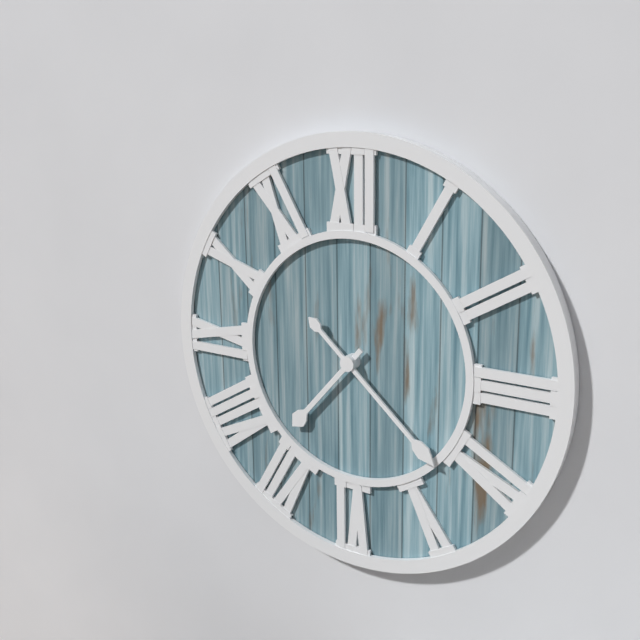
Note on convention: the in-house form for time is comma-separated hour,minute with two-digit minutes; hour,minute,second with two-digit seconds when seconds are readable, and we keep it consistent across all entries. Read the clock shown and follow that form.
7,22
